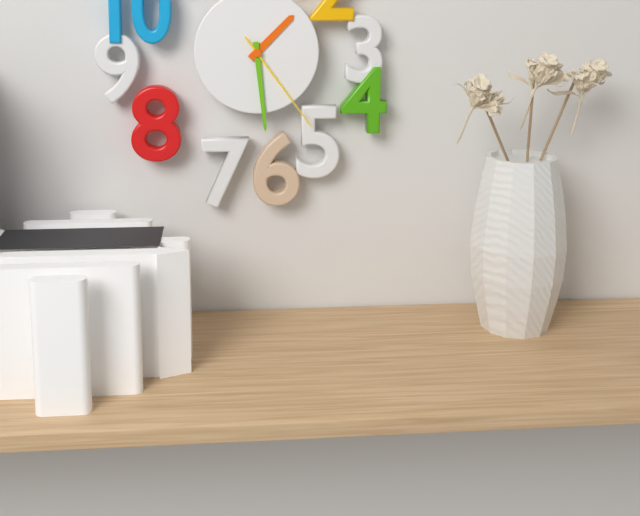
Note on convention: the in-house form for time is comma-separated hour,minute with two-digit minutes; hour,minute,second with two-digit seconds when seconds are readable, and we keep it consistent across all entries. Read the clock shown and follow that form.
1,29,24
